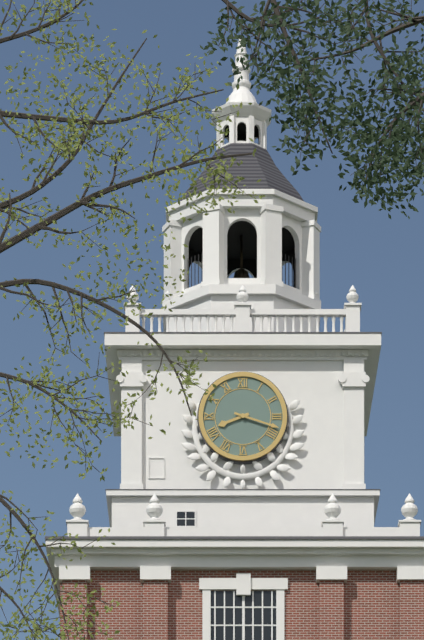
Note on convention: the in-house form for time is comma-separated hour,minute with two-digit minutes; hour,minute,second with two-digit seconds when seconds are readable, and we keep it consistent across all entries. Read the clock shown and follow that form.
8,18
